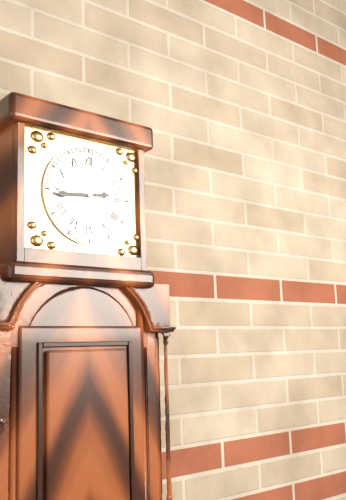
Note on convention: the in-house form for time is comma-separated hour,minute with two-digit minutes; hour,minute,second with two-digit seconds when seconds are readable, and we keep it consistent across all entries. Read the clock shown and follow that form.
2,44
